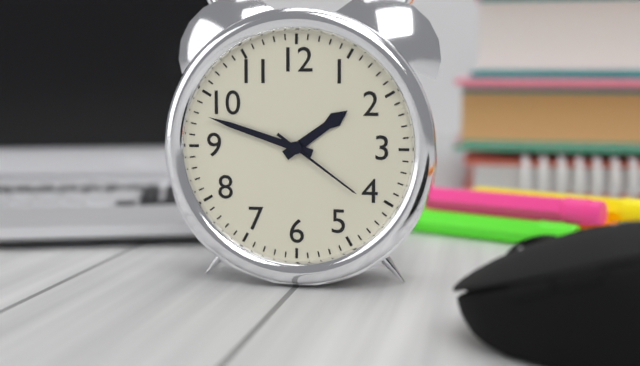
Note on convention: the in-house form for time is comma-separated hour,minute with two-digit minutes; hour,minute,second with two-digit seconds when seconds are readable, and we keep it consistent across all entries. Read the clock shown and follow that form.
1,48,21
